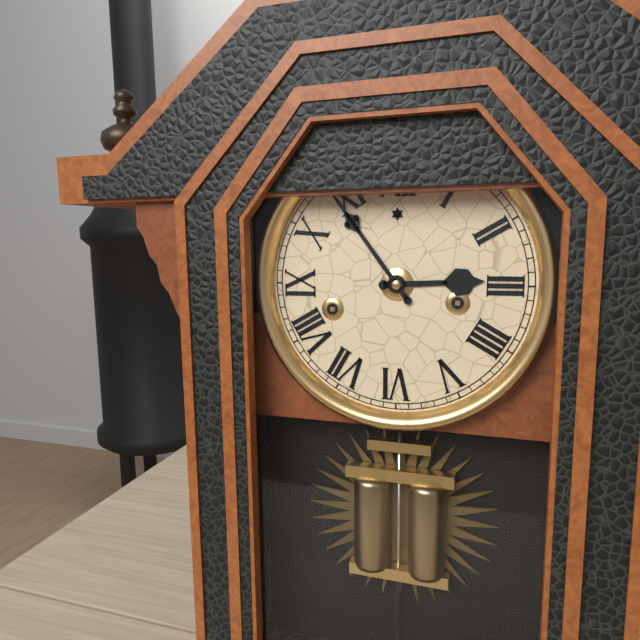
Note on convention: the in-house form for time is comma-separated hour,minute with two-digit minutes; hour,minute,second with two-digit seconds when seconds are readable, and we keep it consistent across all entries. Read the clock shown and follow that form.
2,54
